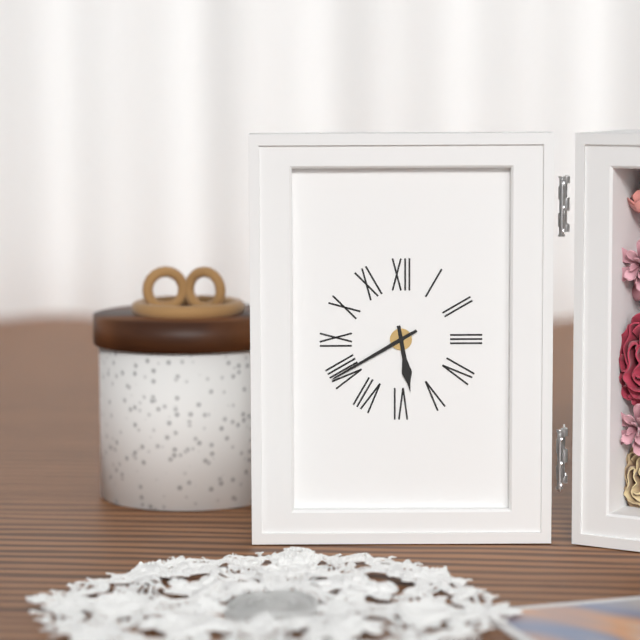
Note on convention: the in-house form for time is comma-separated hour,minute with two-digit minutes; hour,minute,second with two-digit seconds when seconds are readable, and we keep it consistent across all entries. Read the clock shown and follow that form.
5,40
